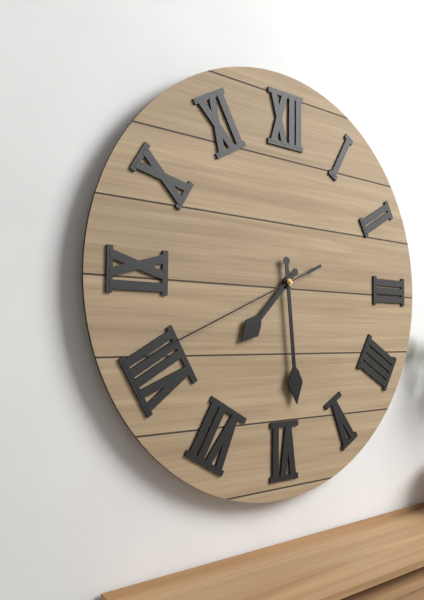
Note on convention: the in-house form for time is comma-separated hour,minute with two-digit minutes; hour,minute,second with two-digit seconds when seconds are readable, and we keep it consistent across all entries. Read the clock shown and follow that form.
7,29,41
